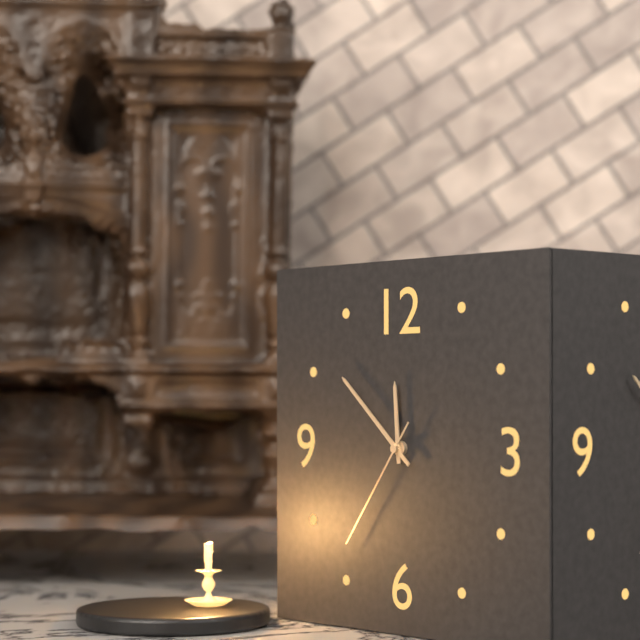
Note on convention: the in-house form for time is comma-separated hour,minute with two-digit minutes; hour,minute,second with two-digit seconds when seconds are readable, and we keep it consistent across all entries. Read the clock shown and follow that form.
11,52,36
